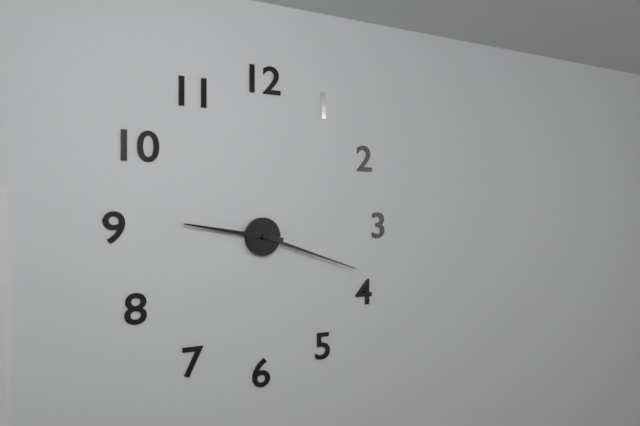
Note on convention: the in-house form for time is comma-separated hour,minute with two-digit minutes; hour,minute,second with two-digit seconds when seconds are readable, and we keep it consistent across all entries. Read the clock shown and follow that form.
9,18
